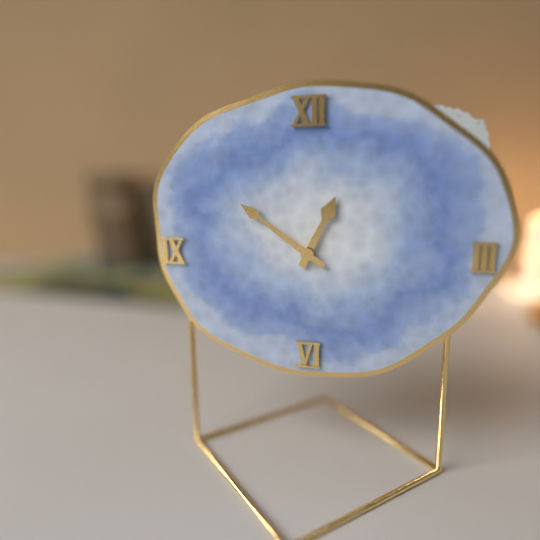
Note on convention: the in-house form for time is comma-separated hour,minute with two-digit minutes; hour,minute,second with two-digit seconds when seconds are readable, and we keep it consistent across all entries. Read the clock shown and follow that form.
12,51
